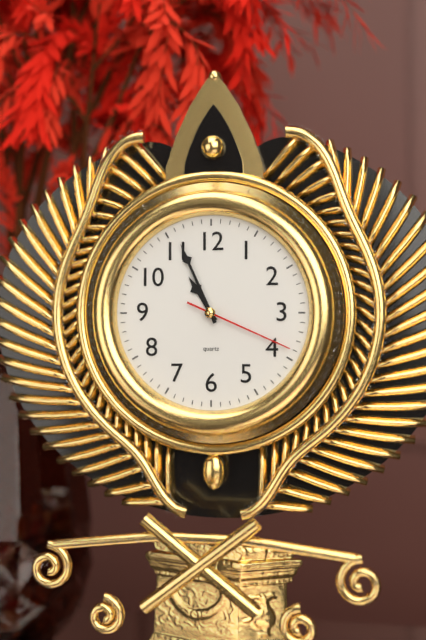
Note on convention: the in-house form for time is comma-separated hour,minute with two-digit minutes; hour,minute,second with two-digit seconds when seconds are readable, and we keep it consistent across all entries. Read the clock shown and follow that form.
10,56,19
